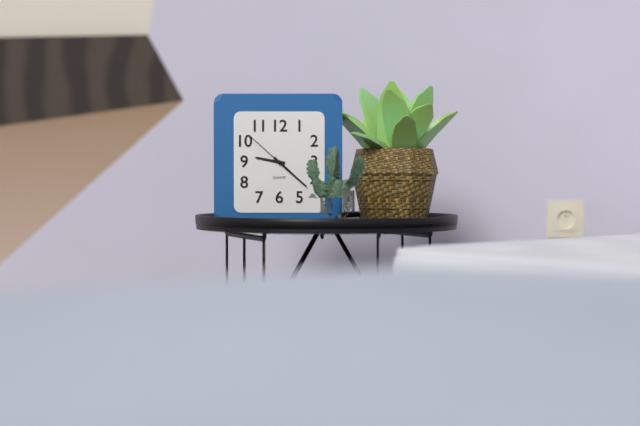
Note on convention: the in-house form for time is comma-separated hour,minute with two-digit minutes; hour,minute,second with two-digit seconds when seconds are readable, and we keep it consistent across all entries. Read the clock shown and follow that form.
9,22,52
